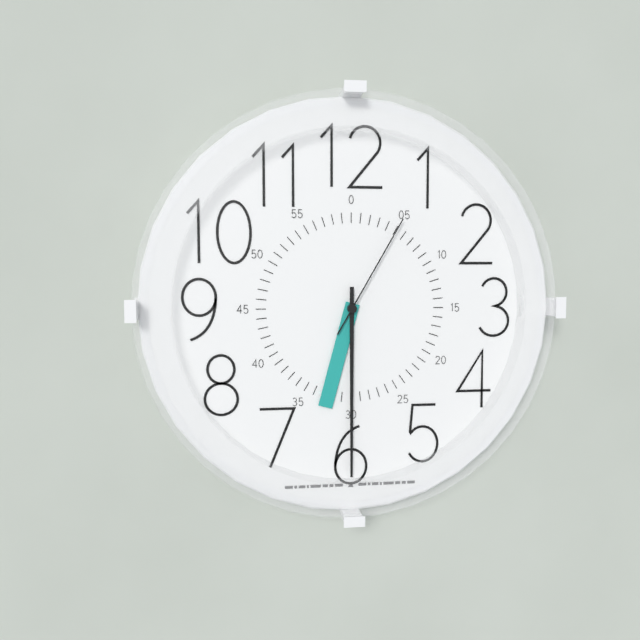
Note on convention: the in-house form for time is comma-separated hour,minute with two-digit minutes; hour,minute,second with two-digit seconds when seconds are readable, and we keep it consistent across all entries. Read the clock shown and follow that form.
6,30,05
